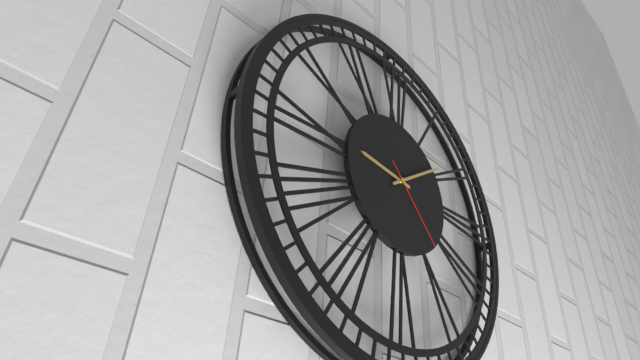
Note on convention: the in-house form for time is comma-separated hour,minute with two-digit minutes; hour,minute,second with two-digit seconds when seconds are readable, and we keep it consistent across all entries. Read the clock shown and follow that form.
9,09,23
